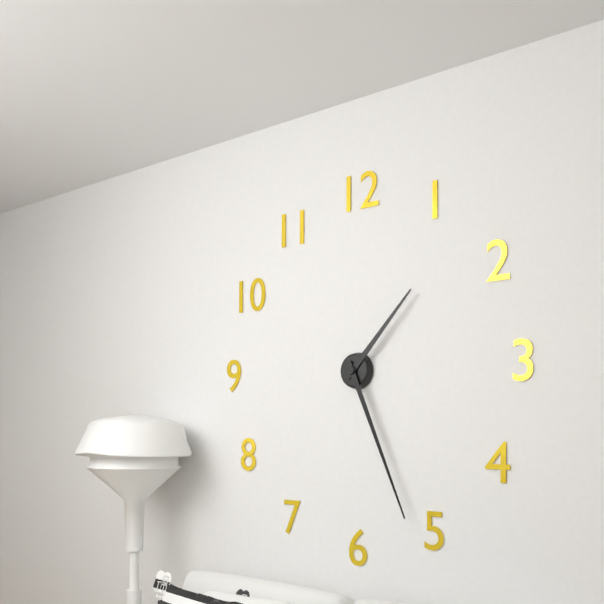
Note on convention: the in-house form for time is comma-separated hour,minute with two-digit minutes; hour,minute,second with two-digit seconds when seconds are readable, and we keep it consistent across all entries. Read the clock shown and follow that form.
1,26
